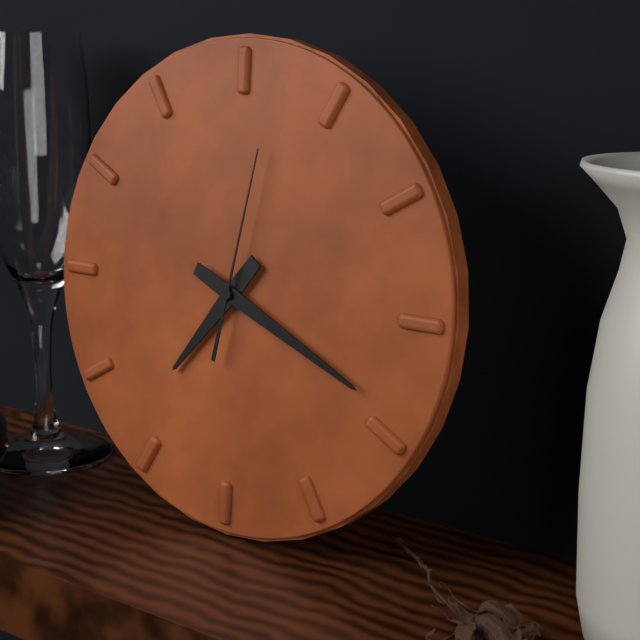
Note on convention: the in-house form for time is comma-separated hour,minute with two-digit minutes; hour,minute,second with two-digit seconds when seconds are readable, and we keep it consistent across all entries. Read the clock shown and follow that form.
7,19,02
